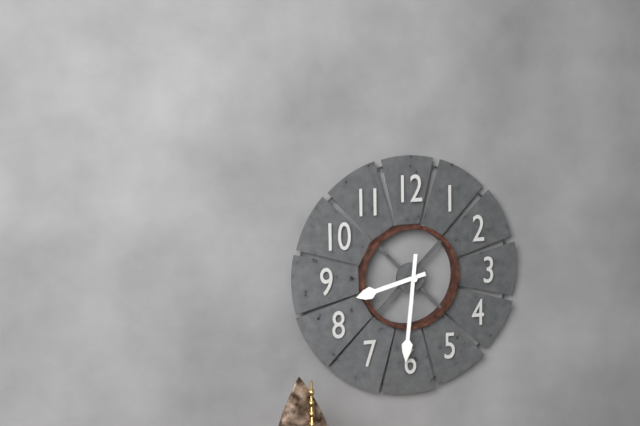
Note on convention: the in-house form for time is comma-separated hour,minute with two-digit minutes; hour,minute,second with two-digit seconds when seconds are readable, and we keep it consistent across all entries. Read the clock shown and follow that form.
8,31
